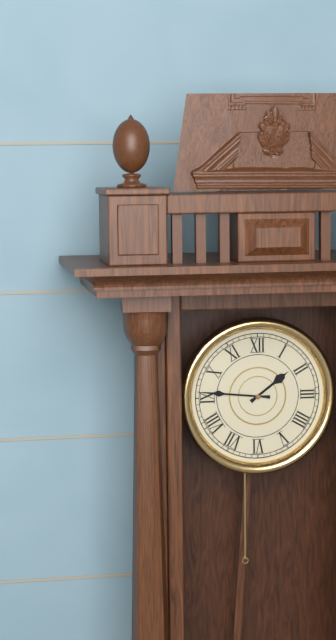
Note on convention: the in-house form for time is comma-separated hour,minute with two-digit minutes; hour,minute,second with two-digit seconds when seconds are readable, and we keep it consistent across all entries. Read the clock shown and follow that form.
1,46
